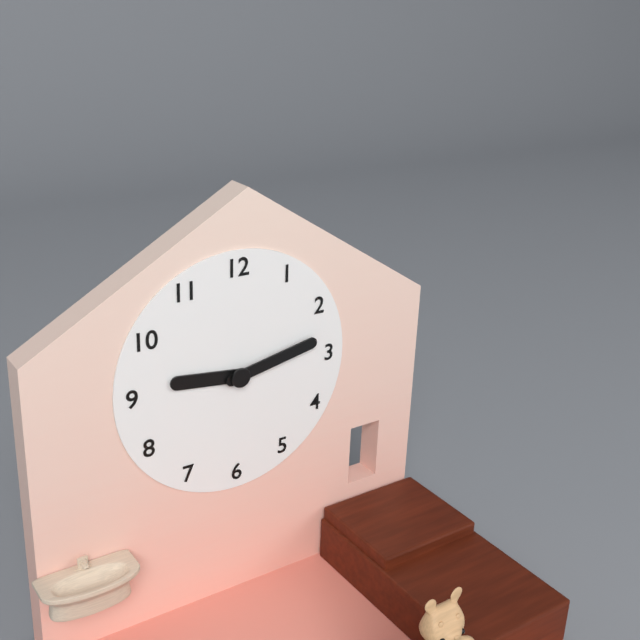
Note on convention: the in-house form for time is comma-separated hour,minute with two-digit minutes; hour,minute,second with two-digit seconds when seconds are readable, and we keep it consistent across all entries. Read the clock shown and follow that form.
9,13
